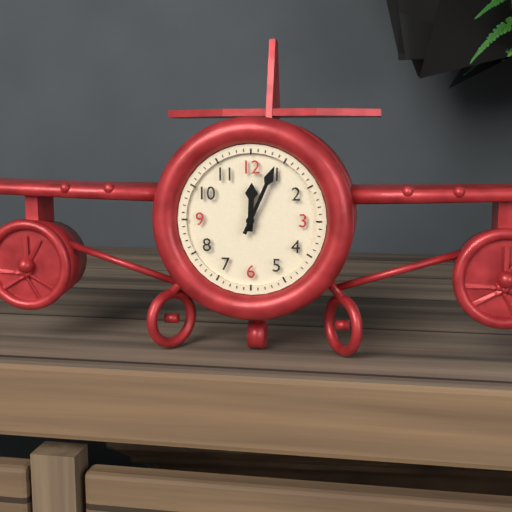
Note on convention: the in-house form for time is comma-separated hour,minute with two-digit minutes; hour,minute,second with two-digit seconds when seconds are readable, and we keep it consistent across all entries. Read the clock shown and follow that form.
12,04
